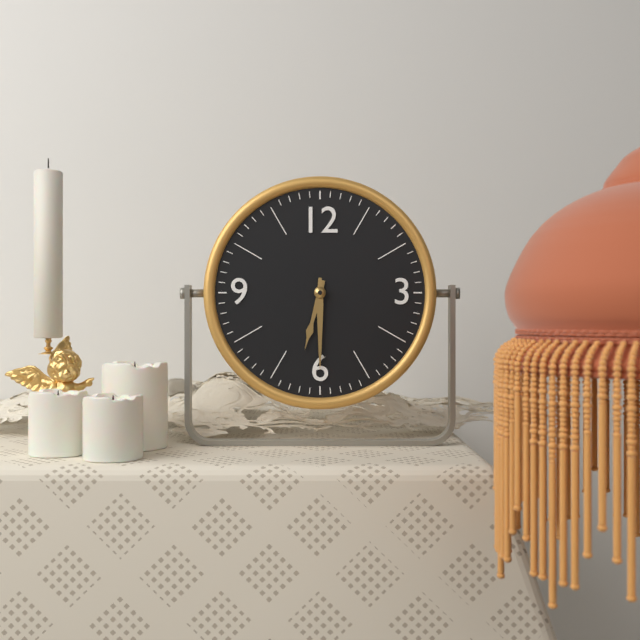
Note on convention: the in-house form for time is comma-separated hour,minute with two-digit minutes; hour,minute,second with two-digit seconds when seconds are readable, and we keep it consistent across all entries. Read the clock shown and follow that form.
6,30
